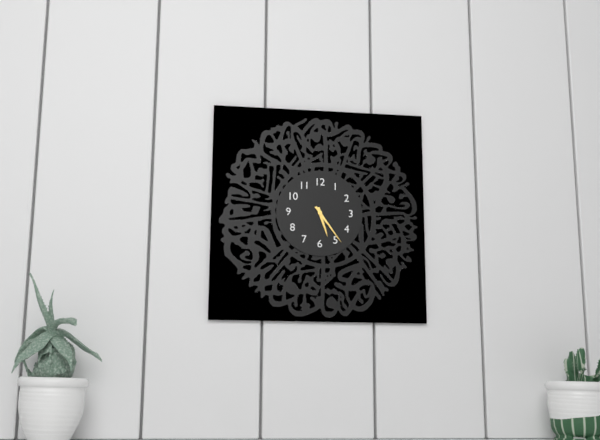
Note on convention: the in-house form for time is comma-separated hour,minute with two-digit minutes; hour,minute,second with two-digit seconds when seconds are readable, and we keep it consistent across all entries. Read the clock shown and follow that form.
5,24
